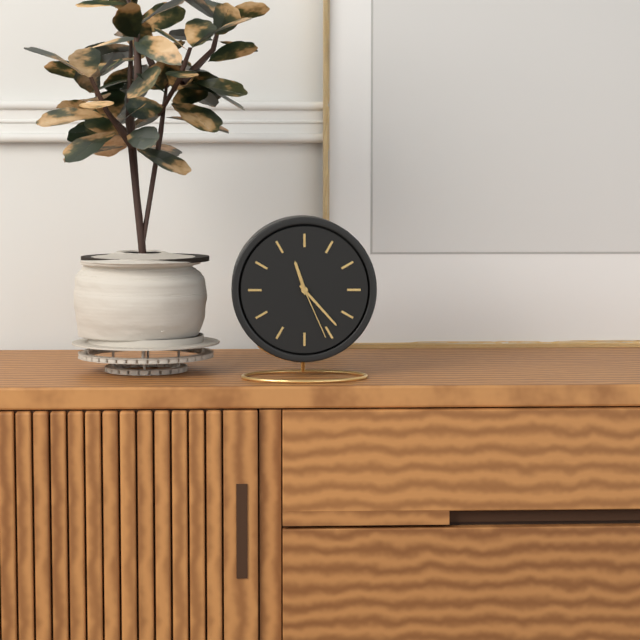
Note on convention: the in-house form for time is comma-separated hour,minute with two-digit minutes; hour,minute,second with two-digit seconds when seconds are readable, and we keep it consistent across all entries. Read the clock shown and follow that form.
11,23,26
